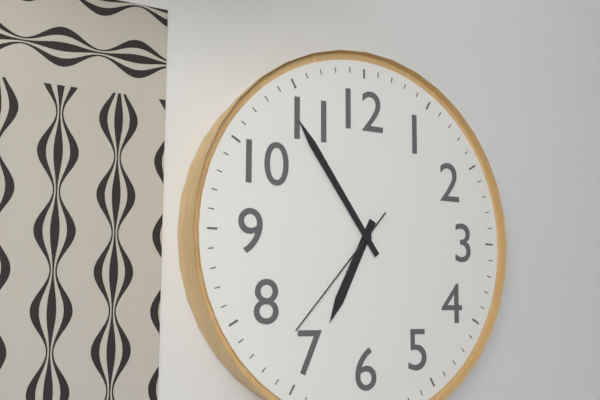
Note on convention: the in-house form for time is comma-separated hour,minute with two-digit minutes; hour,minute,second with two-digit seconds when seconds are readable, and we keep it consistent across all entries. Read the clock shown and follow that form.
6,54,37
